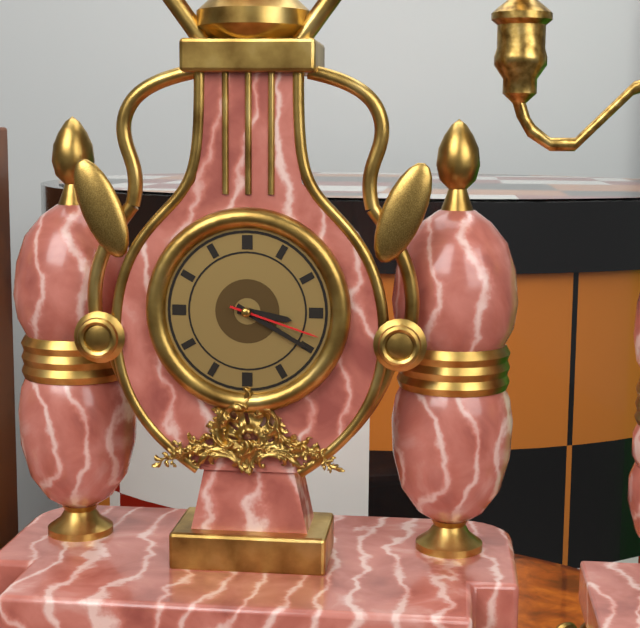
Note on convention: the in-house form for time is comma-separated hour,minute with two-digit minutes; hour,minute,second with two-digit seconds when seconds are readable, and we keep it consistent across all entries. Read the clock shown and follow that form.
3,20,18
